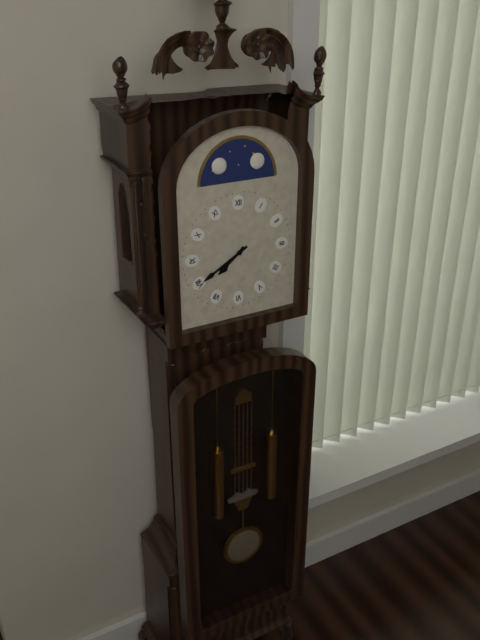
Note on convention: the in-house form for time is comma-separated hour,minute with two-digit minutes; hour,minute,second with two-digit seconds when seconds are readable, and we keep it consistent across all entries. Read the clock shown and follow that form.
7,40
